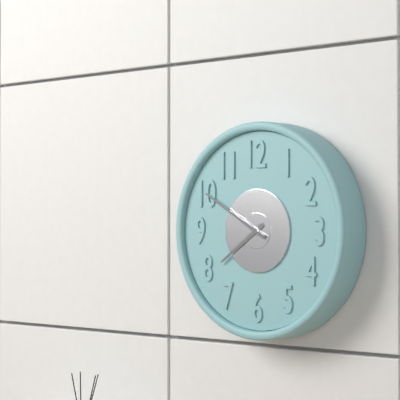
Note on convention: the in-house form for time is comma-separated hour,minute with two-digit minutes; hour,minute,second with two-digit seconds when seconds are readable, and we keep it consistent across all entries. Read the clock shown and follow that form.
7,50
